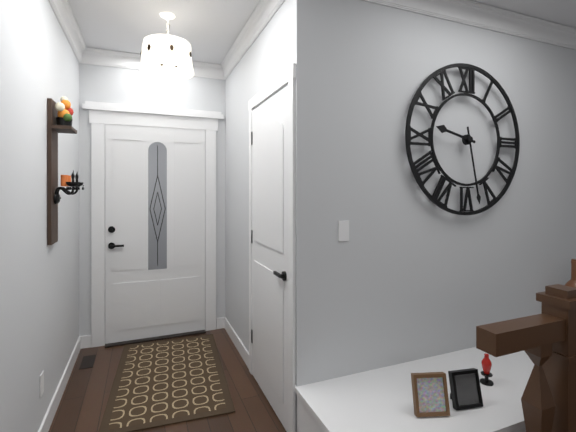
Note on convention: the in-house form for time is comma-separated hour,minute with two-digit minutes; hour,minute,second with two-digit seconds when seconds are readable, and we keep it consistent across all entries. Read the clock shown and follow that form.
9,28
